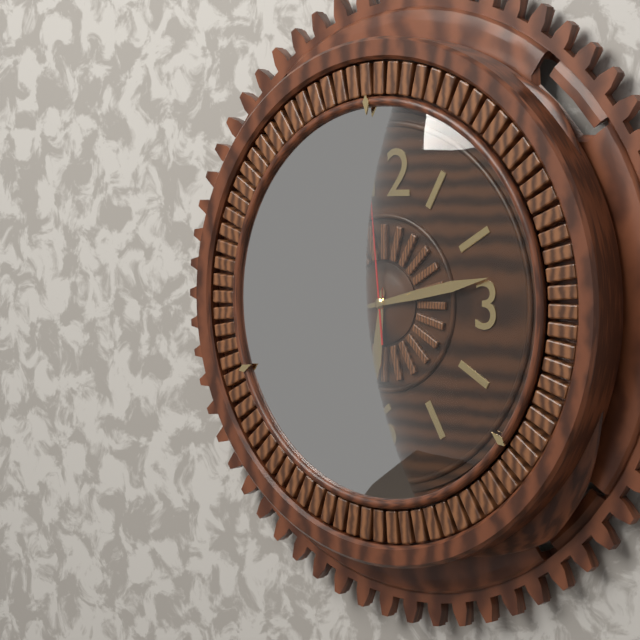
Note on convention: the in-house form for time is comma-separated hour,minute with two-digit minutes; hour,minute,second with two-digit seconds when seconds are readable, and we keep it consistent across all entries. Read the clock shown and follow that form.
6,13,59
